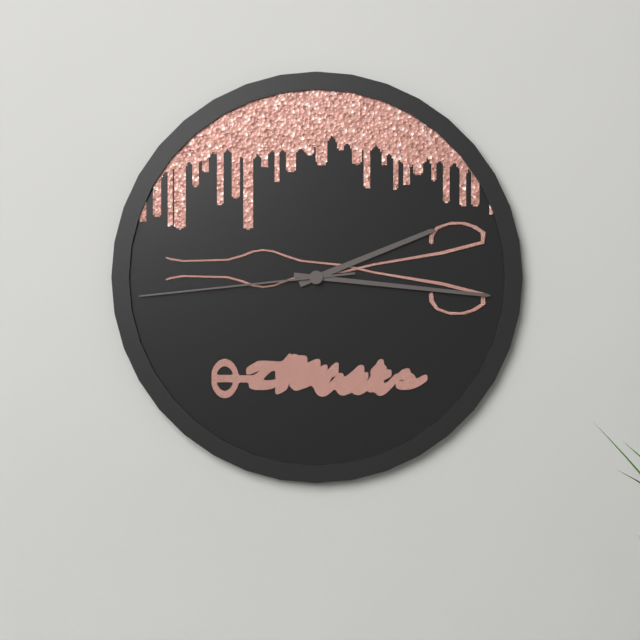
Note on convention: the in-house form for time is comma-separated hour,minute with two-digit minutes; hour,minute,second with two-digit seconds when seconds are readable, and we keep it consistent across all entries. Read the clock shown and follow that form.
2,16,44
